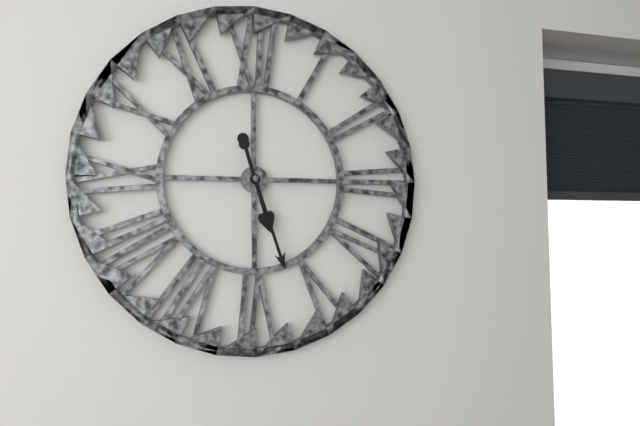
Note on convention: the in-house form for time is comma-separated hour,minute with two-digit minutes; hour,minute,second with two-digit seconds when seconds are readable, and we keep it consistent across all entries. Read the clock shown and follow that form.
5,27
